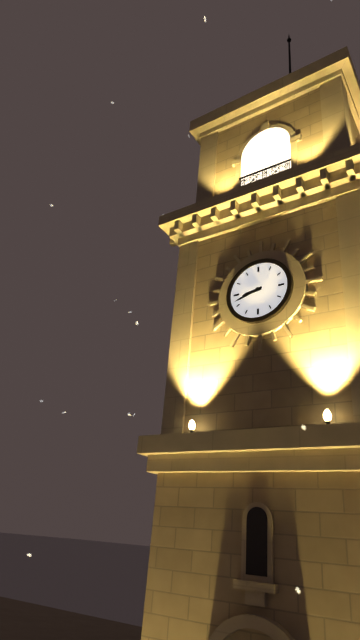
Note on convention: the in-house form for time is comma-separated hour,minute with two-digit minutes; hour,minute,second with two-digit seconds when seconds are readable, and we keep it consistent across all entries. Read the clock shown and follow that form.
8,42
